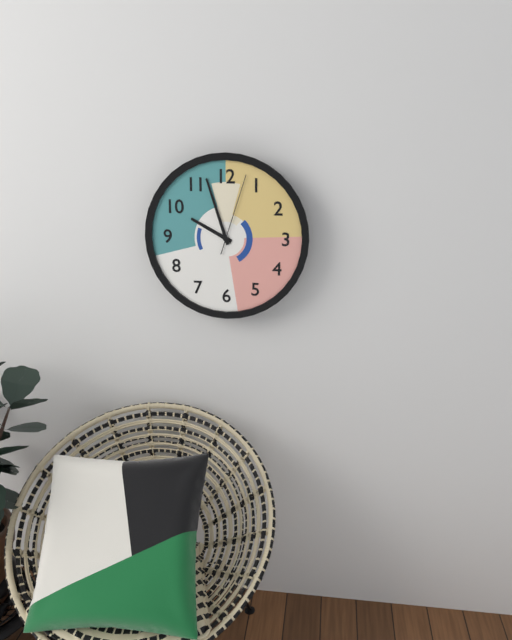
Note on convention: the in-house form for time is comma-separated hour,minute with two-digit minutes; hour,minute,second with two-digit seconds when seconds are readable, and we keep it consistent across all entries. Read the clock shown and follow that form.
9,57,03
